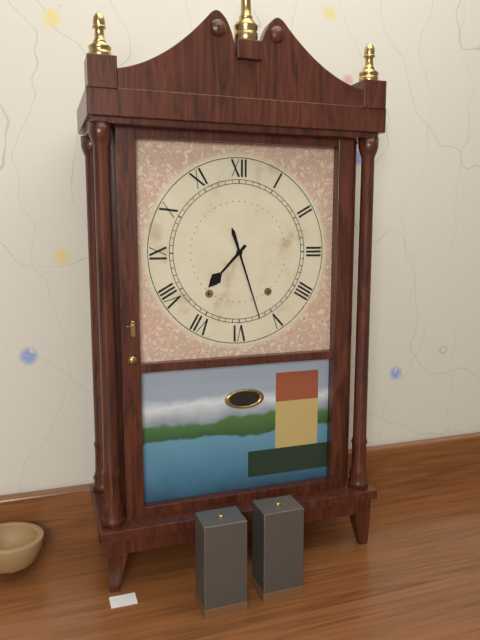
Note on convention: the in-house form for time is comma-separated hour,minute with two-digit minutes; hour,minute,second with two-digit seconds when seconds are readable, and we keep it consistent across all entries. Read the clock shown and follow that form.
7,27
